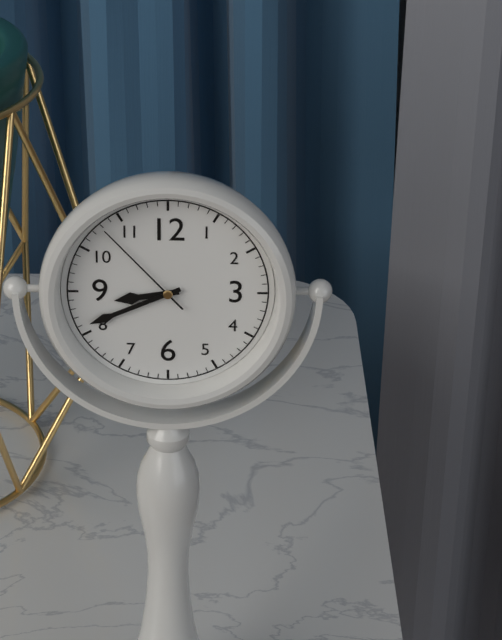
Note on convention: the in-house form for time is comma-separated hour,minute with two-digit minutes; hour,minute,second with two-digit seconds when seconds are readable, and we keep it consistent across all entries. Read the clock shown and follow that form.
8,41,53
